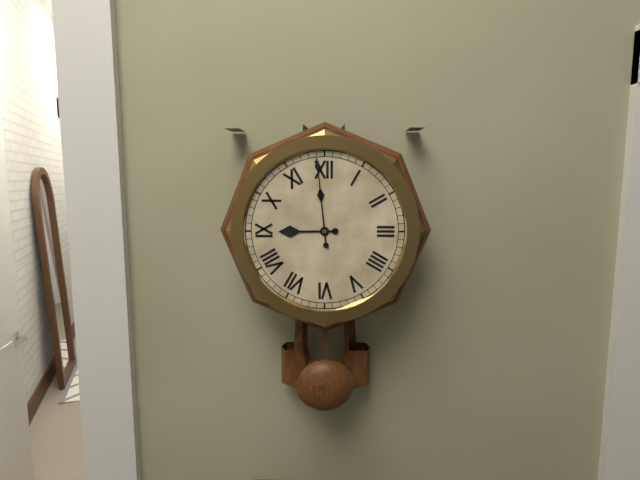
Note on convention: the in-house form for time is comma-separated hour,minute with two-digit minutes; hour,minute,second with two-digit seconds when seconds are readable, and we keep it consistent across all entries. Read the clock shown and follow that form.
8,59
